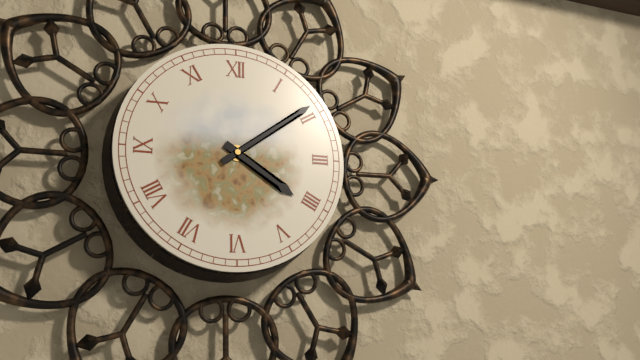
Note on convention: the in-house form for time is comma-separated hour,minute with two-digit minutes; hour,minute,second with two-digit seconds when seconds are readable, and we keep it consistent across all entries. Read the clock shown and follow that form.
4,09
